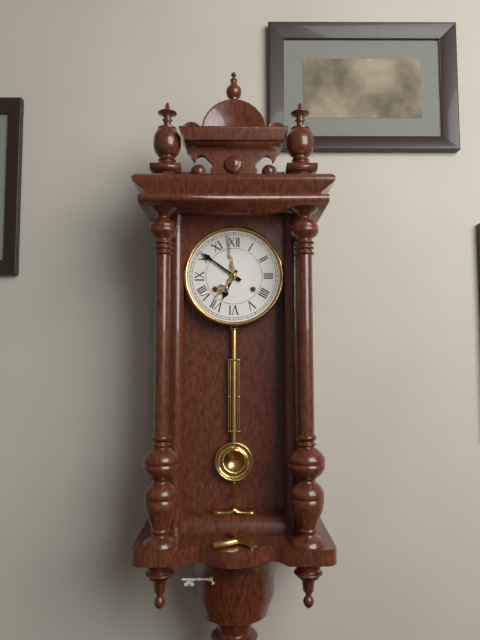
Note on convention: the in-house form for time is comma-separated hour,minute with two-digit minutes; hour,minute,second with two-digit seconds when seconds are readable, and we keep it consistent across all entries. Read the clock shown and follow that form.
6,51
